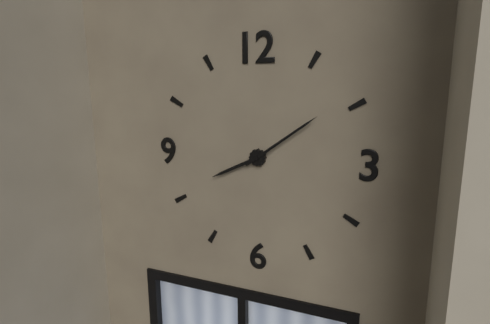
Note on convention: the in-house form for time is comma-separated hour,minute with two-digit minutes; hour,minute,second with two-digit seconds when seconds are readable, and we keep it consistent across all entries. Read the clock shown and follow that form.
8,09
